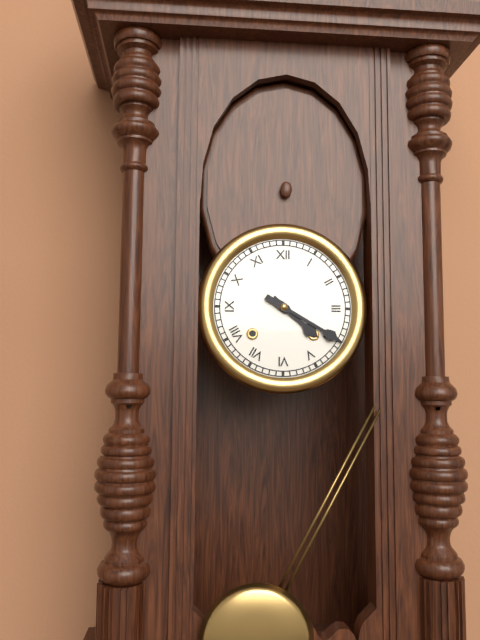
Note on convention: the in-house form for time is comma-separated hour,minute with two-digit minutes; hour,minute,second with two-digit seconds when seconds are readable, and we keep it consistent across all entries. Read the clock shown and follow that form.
4,20
